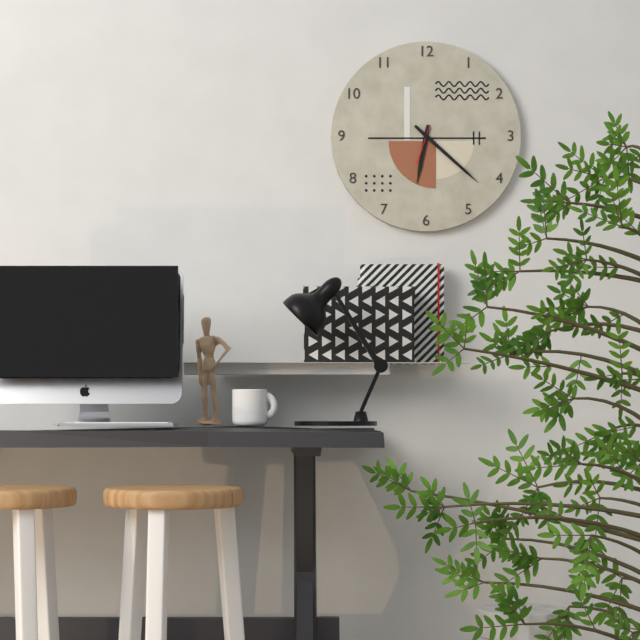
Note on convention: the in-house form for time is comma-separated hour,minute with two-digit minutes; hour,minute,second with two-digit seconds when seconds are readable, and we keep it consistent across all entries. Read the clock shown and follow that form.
6,22
